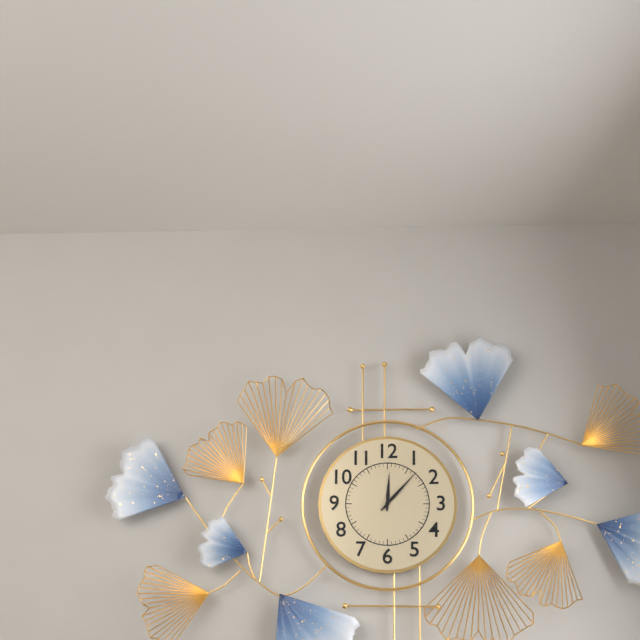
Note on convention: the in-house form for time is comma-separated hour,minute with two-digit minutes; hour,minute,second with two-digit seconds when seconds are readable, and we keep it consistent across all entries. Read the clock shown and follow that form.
12,07
